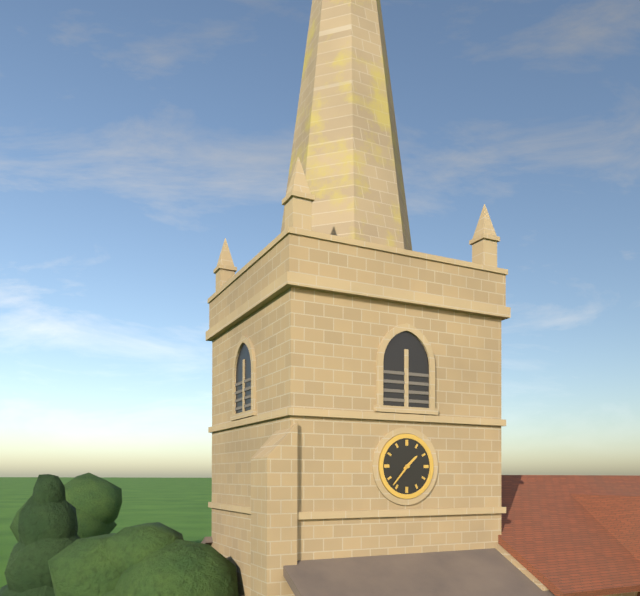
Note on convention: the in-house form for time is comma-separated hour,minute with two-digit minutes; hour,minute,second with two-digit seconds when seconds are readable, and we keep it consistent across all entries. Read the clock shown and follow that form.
1,37
